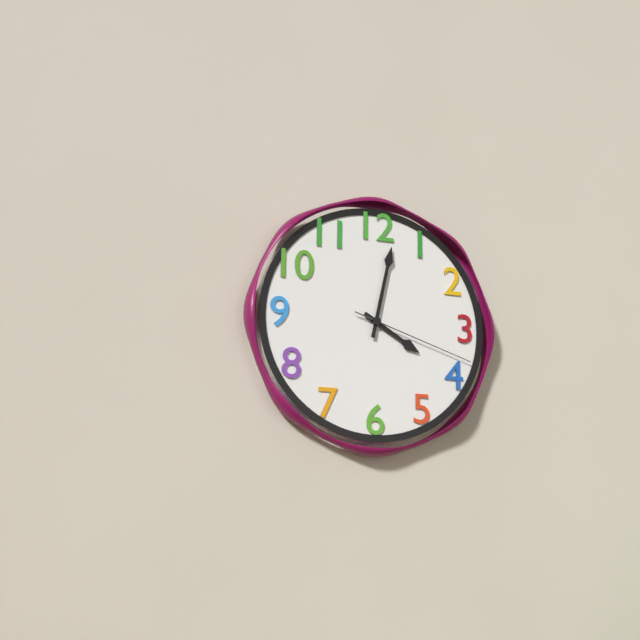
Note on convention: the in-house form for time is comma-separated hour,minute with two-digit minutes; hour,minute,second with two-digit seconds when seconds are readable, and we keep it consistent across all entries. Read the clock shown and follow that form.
4,02,18
